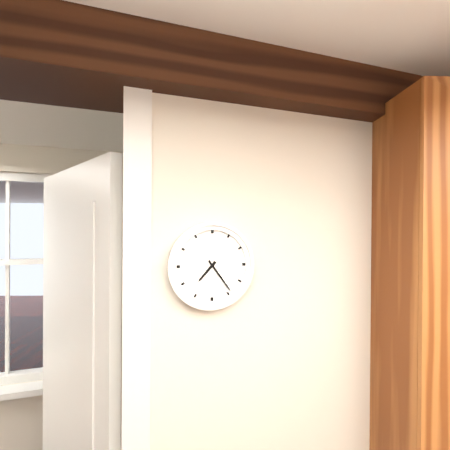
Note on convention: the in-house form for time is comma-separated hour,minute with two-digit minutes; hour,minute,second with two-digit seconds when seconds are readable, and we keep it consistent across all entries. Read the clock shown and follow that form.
7,24
